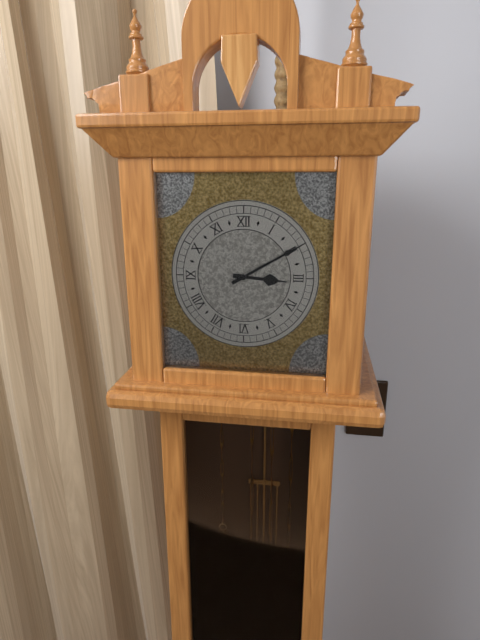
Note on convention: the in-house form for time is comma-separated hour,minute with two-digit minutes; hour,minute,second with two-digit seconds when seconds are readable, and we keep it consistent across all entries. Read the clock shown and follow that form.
3,10
